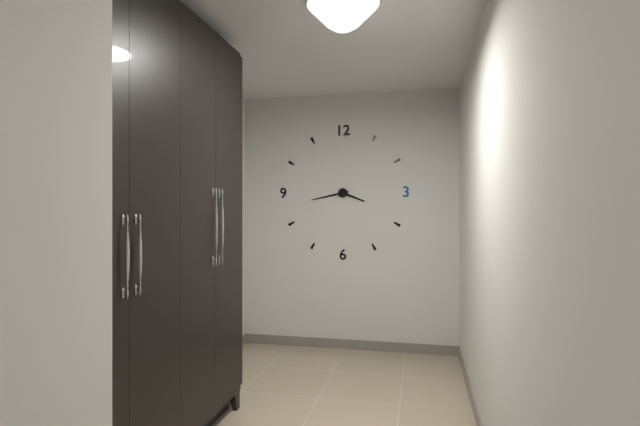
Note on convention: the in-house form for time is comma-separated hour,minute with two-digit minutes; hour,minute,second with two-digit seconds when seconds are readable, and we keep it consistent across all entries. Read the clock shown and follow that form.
3,43
